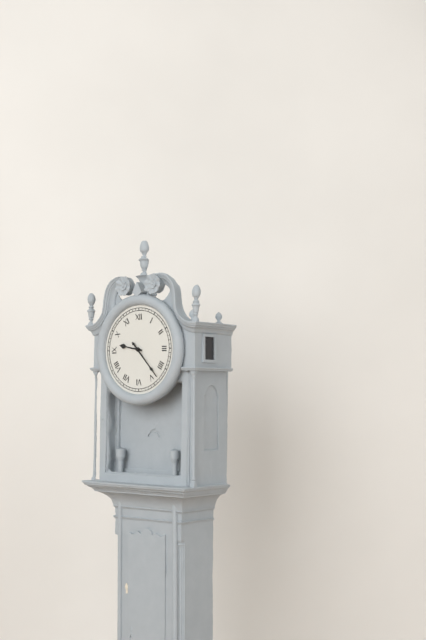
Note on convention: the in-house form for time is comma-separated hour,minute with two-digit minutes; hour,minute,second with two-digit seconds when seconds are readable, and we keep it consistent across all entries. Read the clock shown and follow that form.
9,23
